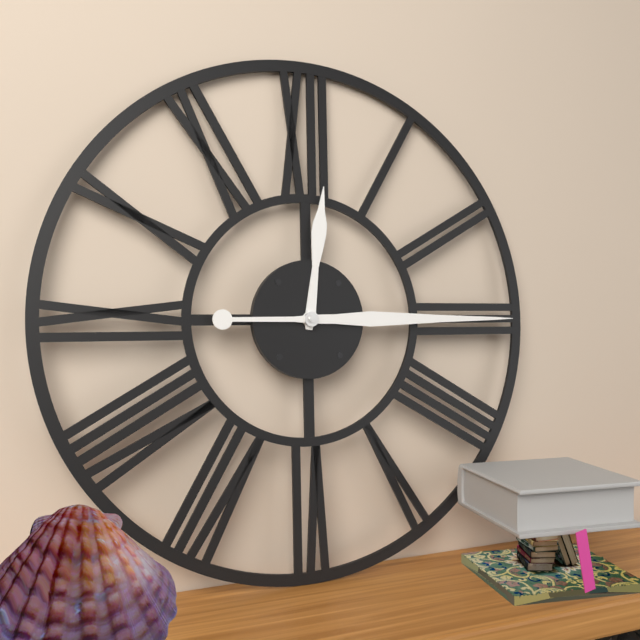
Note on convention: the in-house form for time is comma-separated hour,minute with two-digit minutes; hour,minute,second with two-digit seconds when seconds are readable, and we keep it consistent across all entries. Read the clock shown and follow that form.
12,15
